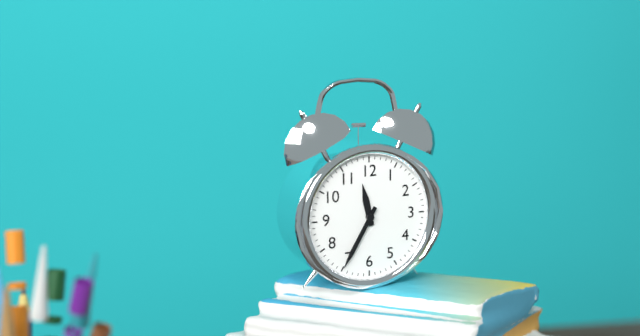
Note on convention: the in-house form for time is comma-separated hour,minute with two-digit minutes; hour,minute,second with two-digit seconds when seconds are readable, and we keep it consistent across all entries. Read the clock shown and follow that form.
11,35
